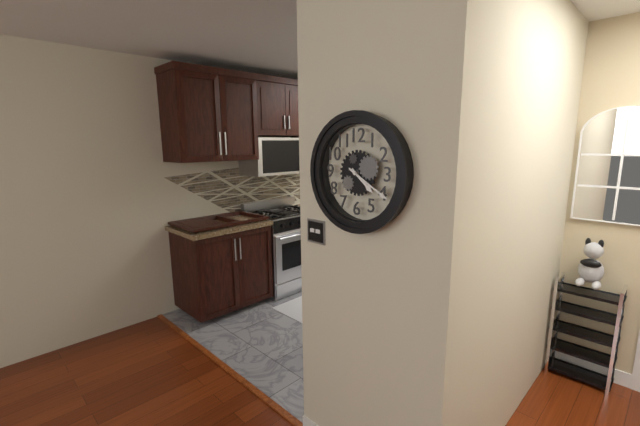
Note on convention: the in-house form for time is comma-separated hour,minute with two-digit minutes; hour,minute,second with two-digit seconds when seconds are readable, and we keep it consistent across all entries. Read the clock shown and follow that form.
4,20
